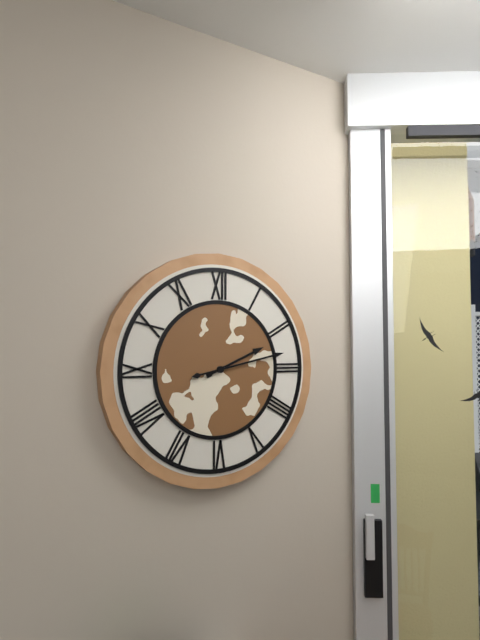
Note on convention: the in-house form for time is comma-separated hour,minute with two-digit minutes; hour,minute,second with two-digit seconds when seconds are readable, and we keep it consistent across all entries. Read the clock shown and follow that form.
2,13
